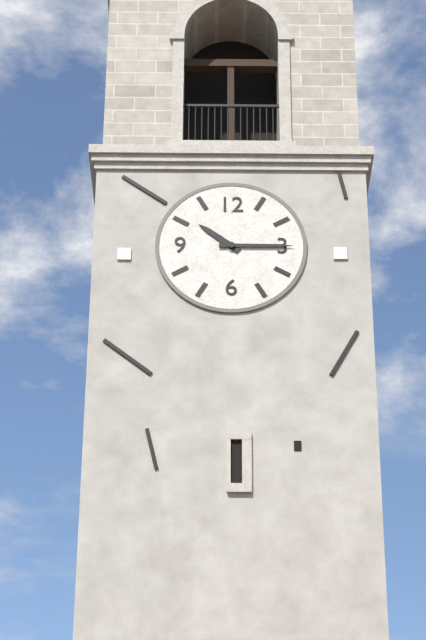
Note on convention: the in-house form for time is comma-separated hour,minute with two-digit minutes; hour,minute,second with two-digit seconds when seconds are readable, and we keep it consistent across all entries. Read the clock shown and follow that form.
10,15
